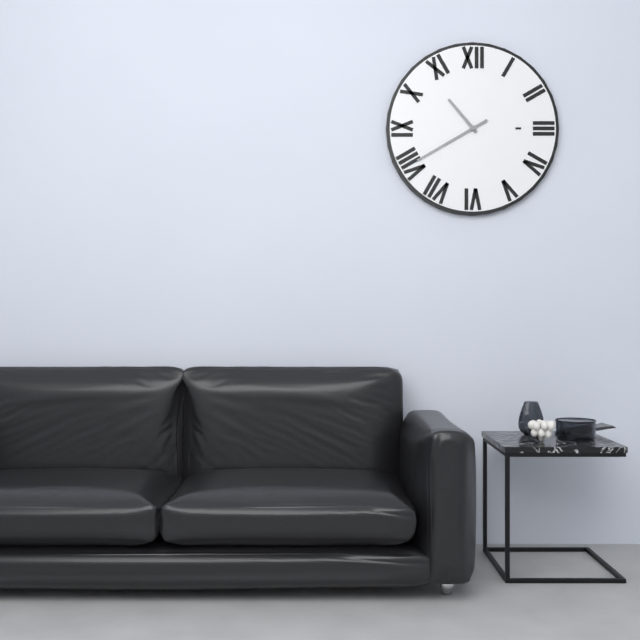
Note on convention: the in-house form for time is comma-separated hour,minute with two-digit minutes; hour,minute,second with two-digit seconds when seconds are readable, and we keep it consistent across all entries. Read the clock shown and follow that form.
10,40
